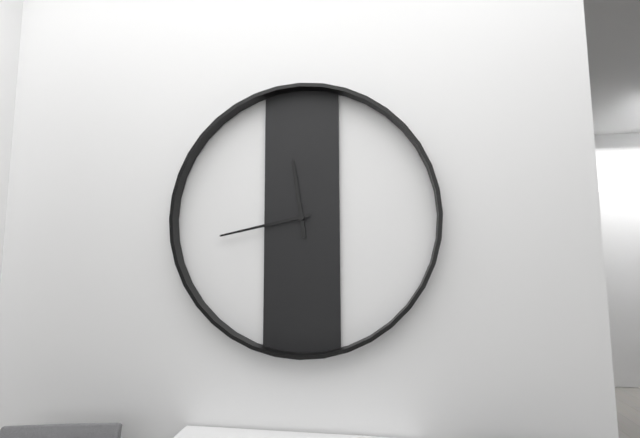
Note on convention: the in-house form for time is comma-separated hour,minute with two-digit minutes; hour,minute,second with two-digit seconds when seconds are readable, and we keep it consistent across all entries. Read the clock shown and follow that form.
11,43
